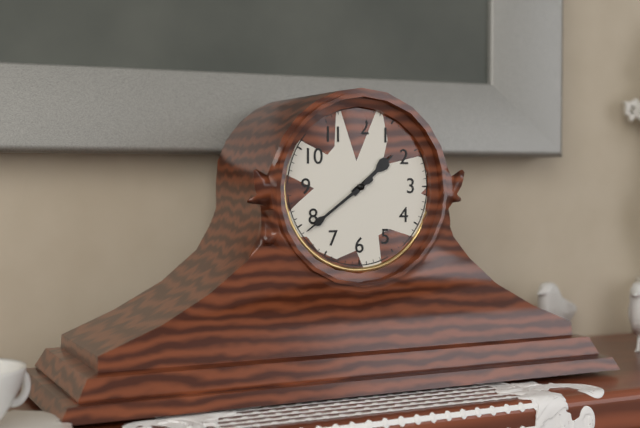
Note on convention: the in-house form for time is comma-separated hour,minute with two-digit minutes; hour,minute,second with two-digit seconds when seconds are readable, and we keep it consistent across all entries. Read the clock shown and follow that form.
1,39
